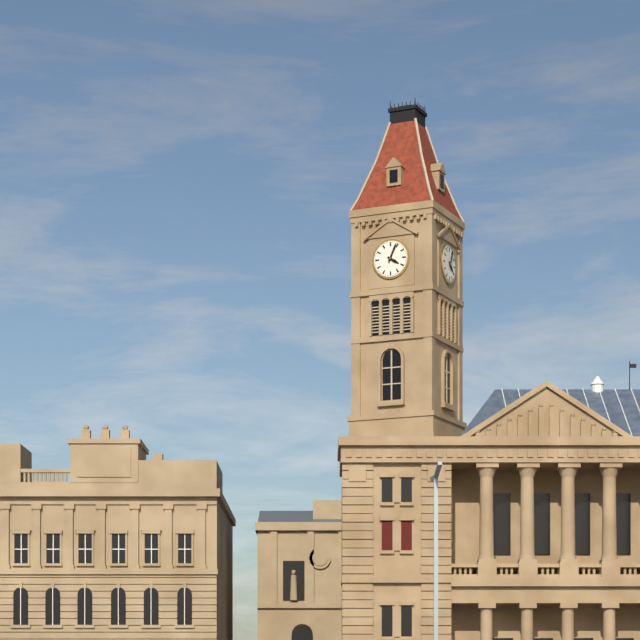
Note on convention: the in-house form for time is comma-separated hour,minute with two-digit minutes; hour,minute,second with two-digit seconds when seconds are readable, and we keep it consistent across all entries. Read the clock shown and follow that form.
4,04
